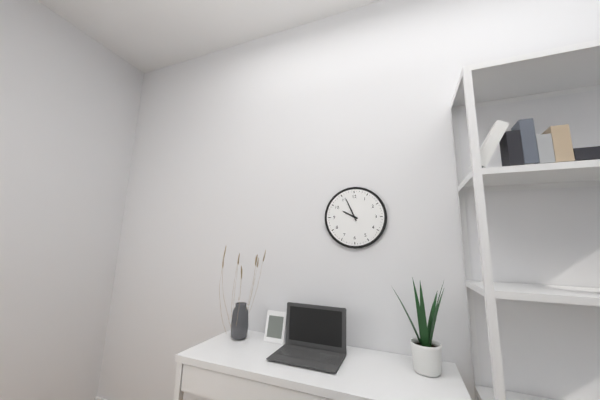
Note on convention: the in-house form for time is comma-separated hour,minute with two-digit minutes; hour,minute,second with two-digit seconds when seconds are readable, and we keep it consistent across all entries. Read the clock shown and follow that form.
9,56
